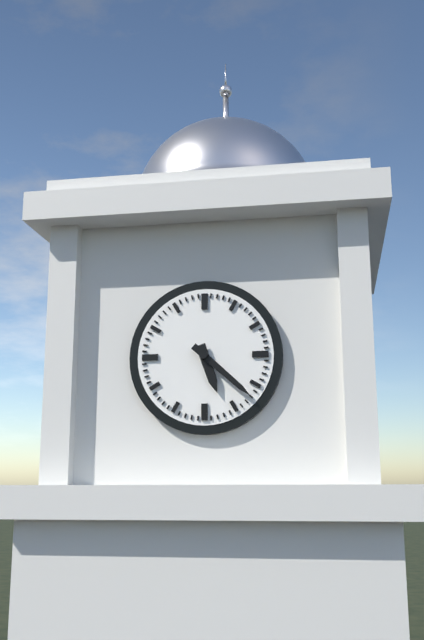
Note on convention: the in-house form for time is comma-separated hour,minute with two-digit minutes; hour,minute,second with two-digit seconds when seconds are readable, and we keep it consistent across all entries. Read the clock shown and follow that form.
5,22
